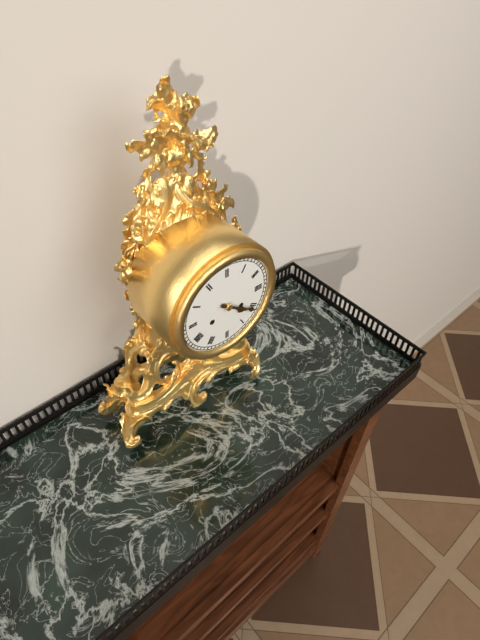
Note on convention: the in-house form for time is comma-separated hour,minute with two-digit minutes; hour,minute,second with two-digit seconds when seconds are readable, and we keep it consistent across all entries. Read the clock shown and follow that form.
4,21
